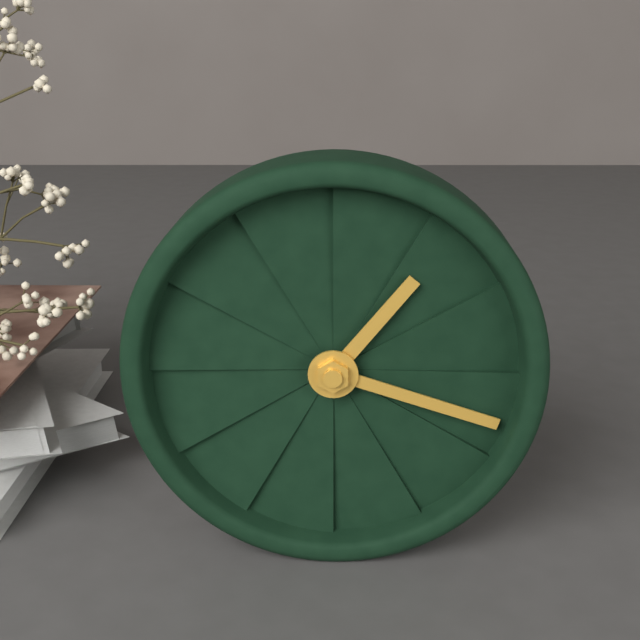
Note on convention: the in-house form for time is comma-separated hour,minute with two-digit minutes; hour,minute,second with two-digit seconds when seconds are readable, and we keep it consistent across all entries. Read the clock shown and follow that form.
1,18
